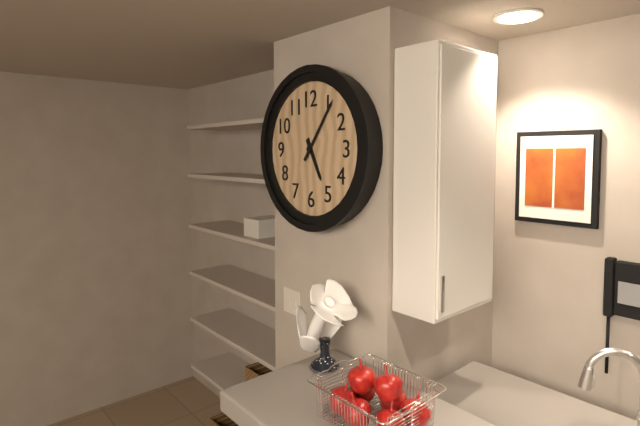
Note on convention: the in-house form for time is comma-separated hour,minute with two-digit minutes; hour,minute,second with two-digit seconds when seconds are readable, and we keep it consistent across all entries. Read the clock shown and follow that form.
5,06
